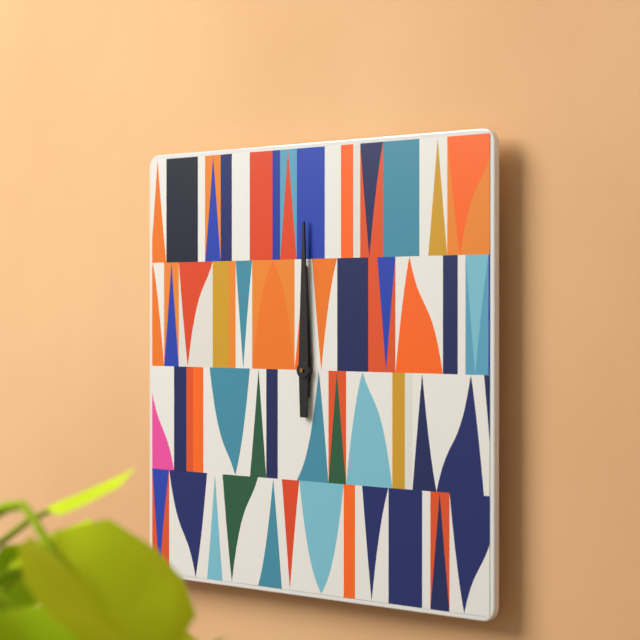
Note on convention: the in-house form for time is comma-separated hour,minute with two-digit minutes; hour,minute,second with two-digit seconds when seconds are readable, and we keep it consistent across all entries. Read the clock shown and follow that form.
12,00
